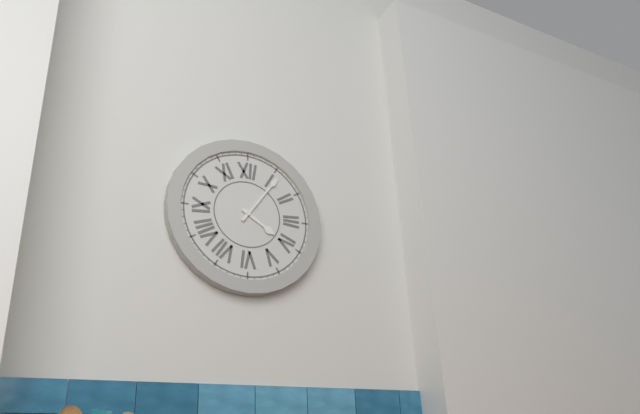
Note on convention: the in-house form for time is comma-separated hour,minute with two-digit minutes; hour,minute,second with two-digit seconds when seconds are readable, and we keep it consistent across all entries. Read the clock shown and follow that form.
4,06
